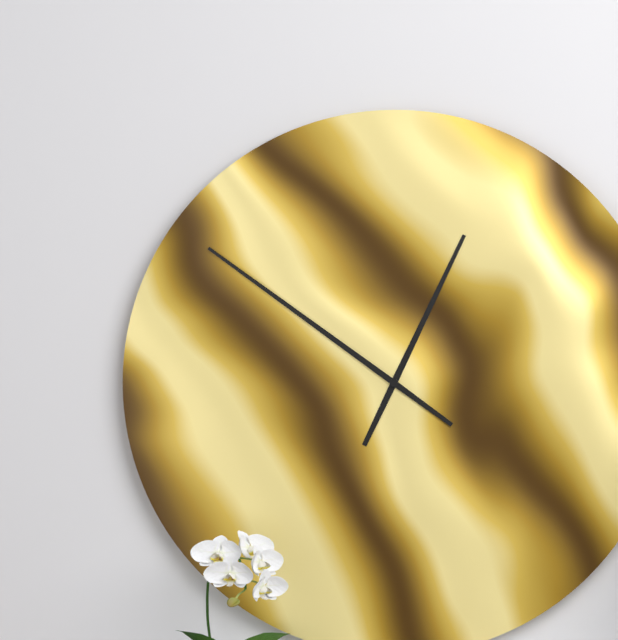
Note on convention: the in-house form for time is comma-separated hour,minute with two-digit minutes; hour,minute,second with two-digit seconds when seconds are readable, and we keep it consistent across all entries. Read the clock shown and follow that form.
12,51
